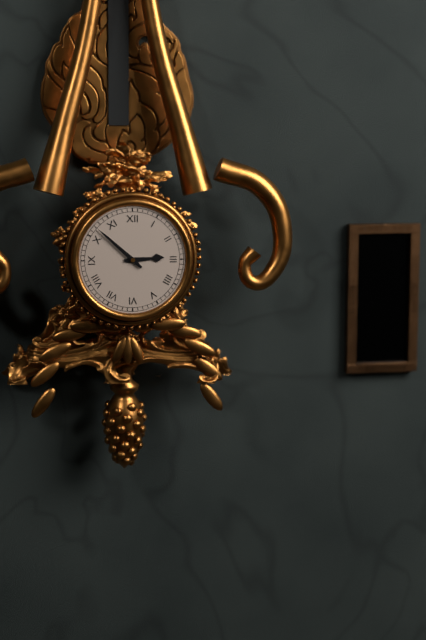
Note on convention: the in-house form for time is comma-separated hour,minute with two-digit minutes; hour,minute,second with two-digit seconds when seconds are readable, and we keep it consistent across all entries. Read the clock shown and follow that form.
2,52
